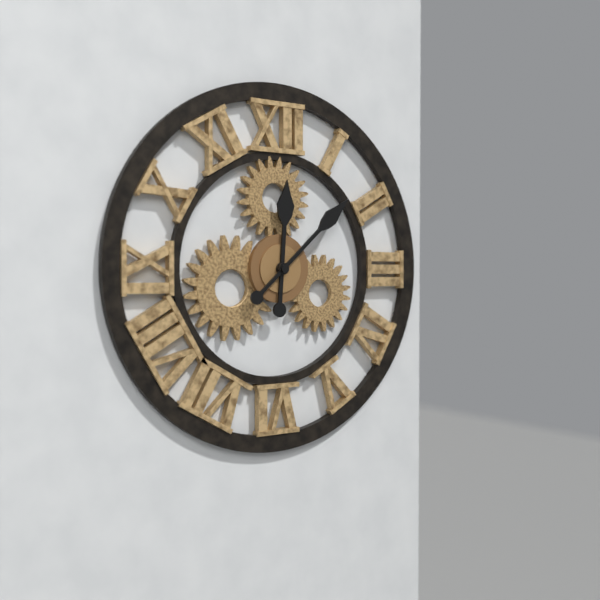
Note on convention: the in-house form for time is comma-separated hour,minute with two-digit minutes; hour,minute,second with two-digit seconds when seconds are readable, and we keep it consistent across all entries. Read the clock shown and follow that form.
12,08
